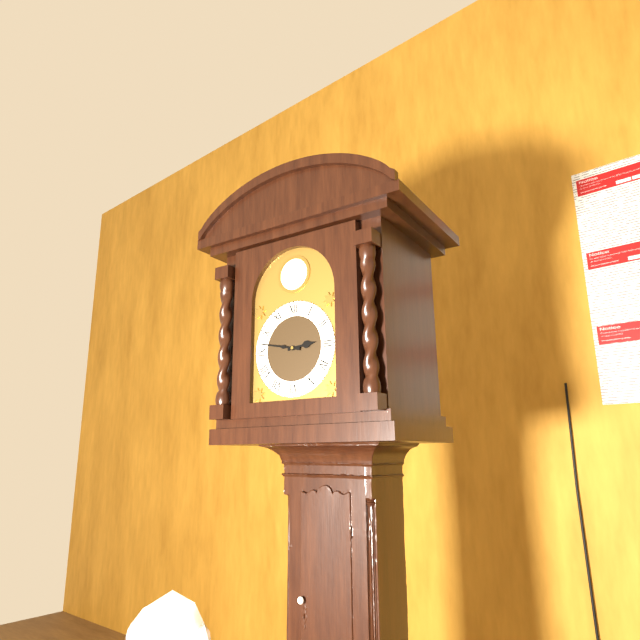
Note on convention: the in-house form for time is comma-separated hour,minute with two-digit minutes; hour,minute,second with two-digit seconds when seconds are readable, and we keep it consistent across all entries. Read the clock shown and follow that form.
2,47
